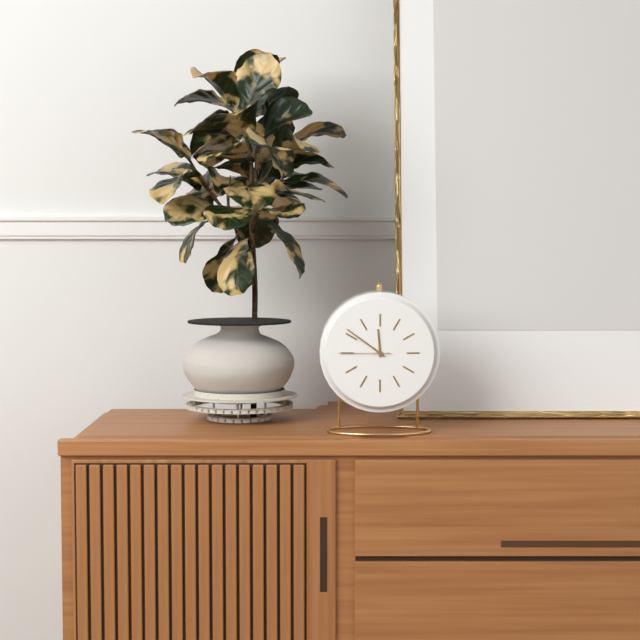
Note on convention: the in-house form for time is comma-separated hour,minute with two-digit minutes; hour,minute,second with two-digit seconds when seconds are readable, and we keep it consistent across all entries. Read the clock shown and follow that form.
11,51,45
